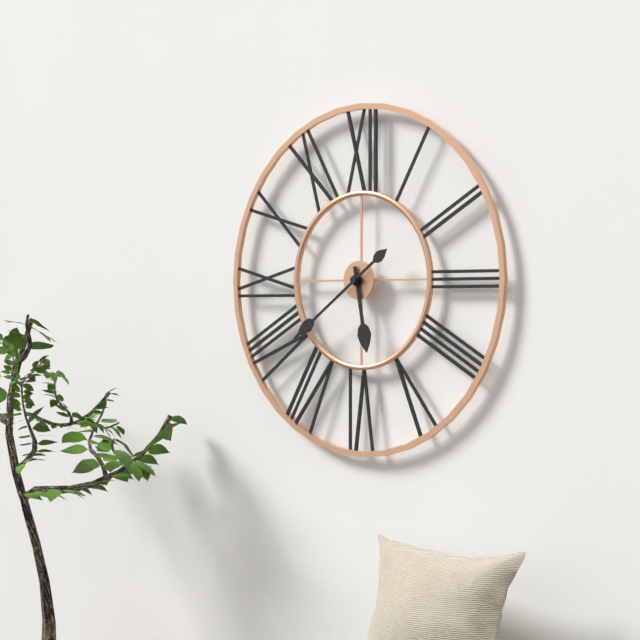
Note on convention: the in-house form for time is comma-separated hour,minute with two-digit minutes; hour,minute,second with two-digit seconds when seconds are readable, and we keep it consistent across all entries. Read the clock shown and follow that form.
5,39
